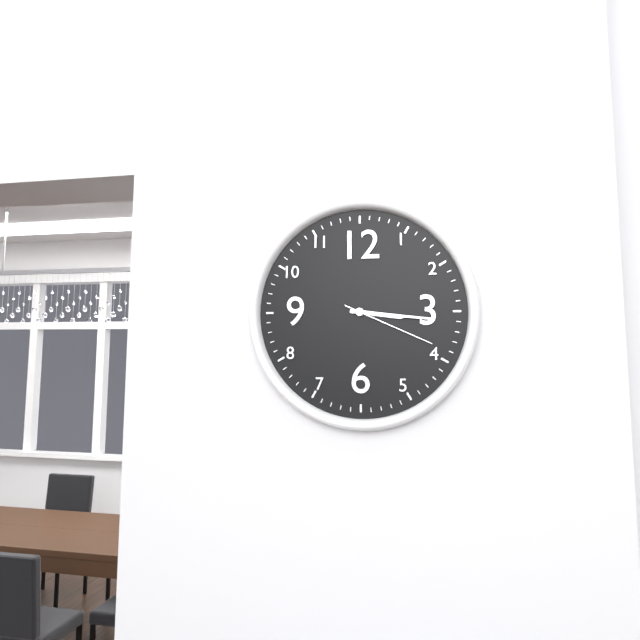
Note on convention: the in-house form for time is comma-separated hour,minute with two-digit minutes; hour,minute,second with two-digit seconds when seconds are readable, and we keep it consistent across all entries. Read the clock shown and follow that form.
3,16,19
